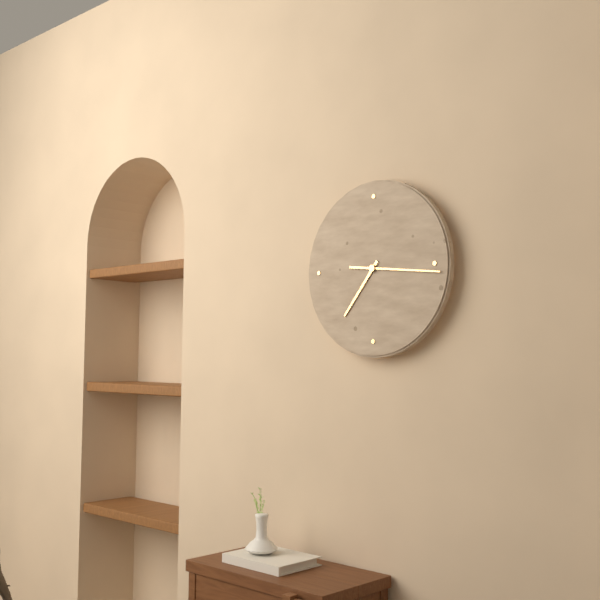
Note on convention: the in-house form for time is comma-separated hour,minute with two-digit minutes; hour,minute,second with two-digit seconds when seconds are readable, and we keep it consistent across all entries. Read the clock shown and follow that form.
7,16
